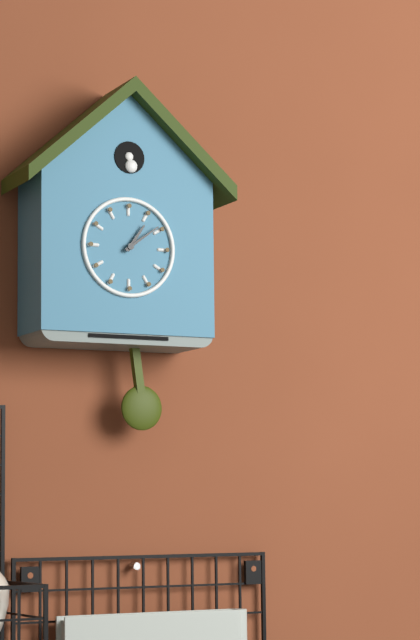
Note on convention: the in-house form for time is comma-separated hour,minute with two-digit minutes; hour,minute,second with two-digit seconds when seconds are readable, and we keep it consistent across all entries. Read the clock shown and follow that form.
1,09
